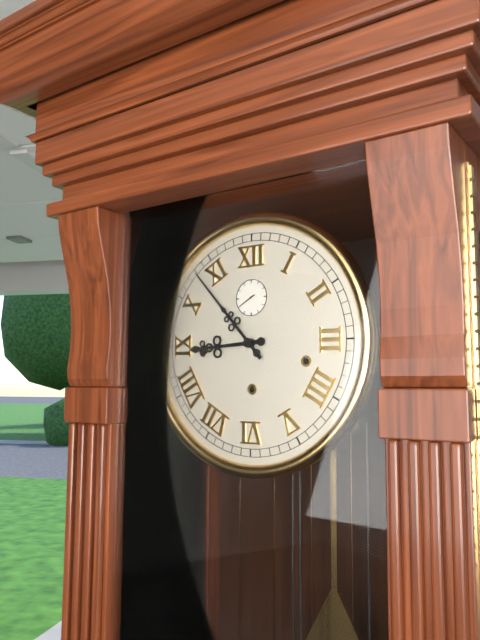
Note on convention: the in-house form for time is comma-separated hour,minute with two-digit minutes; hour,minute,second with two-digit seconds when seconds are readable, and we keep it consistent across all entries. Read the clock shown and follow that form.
8,53
